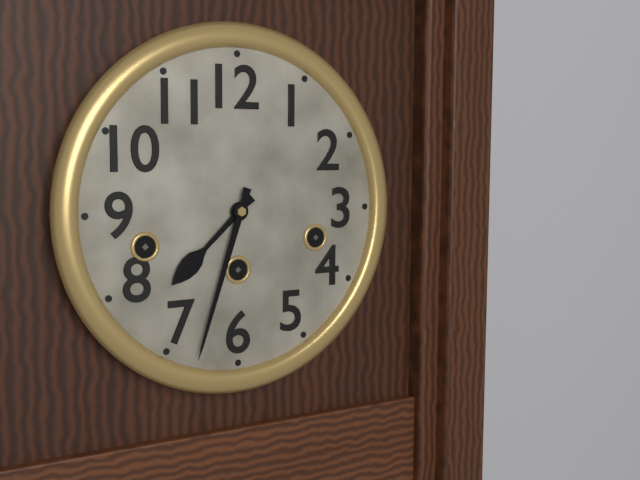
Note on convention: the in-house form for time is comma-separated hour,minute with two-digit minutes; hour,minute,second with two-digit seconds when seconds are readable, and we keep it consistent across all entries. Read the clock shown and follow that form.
7,33
